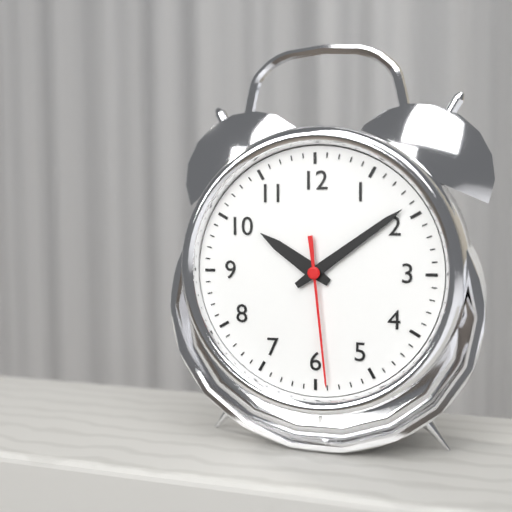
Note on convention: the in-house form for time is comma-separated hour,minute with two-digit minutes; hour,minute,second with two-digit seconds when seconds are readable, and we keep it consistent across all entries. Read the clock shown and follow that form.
10,09,29
